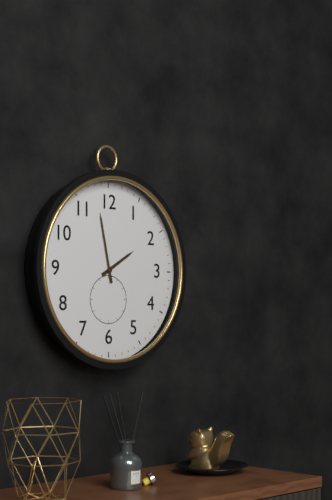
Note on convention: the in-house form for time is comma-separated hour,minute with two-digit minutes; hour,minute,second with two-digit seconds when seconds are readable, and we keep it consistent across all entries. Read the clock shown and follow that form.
1,58
